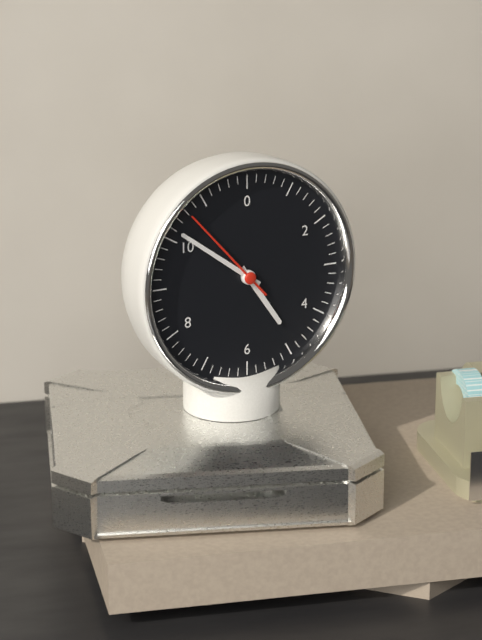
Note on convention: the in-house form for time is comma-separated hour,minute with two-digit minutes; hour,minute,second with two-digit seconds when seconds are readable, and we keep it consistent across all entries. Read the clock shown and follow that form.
4,51,53
